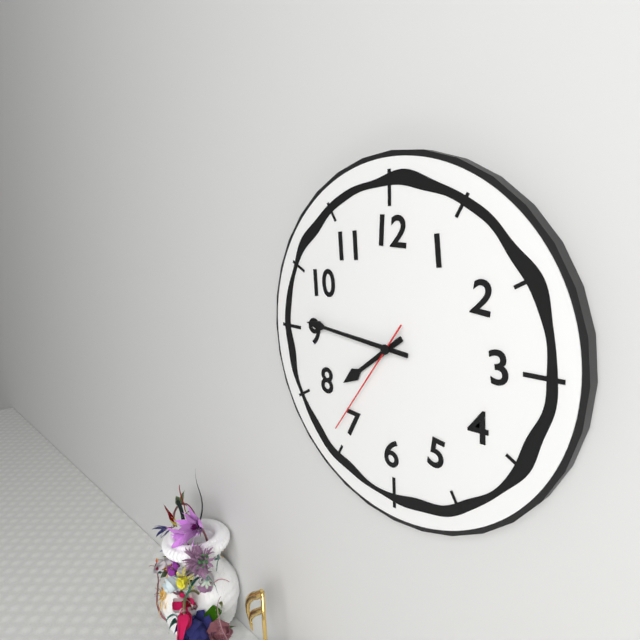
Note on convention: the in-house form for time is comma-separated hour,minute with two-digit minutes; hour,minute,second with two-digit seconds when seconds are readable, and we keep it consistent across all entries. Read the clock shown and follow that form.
7,46,36
